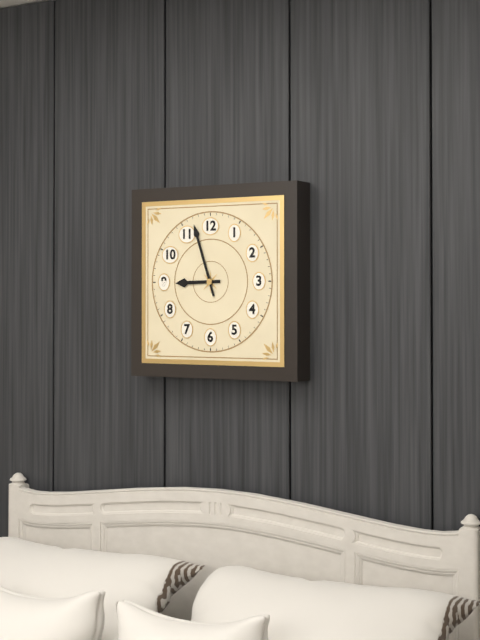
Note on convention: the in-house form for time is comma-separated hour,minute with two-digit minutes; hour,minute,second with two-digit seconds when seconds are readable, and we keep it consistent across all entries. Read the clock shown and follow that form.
8,57
